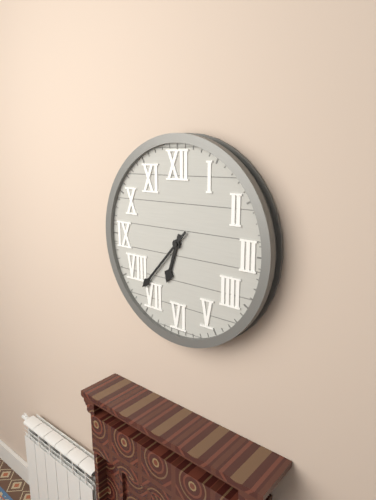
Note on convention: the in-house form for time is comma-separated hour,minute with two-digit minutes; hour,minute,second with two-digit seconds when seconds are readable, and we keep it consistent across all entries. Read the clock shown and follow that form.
6,37
